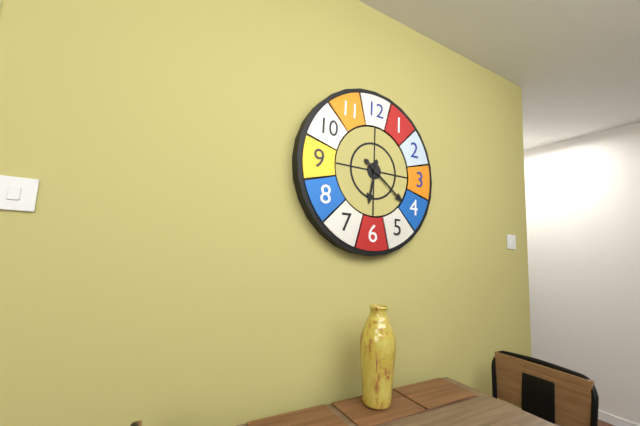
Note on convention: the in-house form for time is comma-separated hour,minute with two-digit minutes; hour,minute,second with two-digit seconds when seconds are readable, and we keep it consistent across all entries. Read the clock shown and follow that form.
6,21
